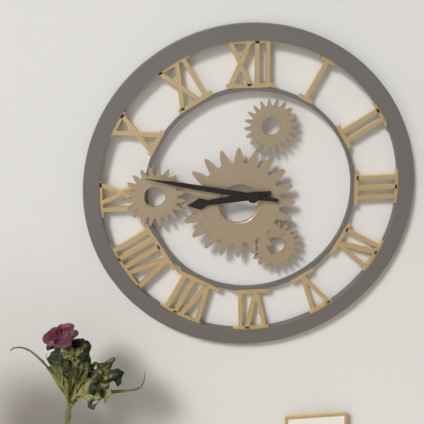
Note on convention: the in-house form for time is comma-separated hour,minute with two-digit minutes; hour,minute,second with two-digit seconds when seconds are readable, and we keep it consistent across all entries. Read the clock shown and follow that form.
8,47
